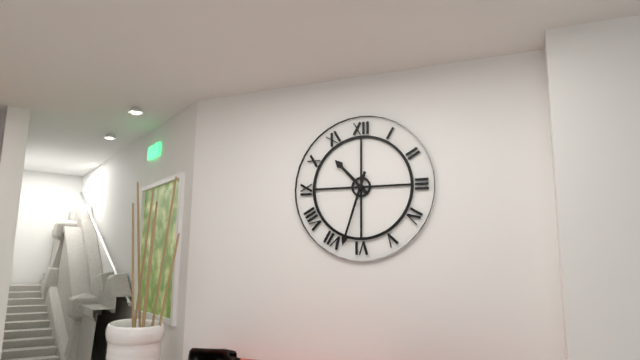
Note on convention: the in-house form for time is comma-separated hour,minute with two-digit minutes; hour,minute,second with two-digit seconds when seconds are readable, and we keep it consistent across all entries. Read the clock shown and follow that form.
10,33
